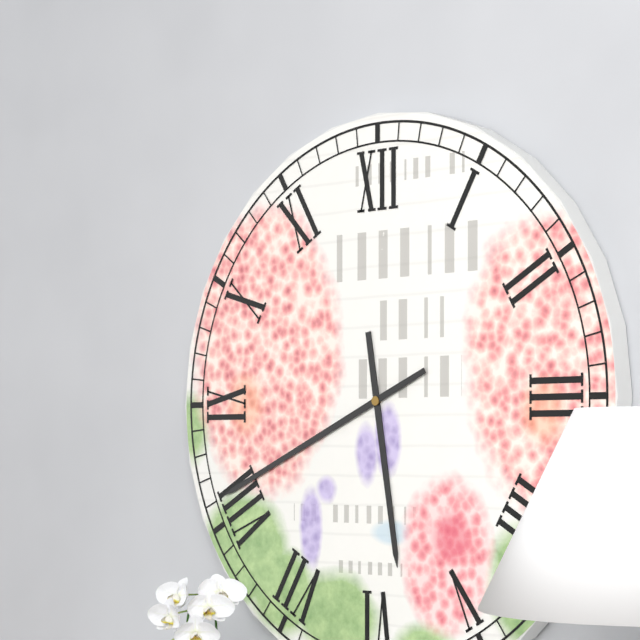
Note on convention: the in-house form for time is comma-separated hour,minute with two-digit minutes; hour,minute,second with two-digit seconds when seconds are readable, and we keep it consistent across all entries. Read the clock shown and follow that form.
5,41
